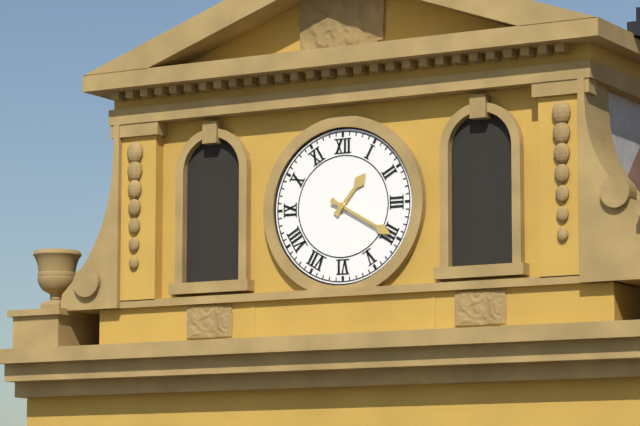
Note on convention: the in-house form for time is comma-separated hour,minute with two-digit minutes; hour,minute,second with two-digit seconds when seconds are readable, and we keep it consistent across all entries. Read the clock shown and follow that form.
1,20
